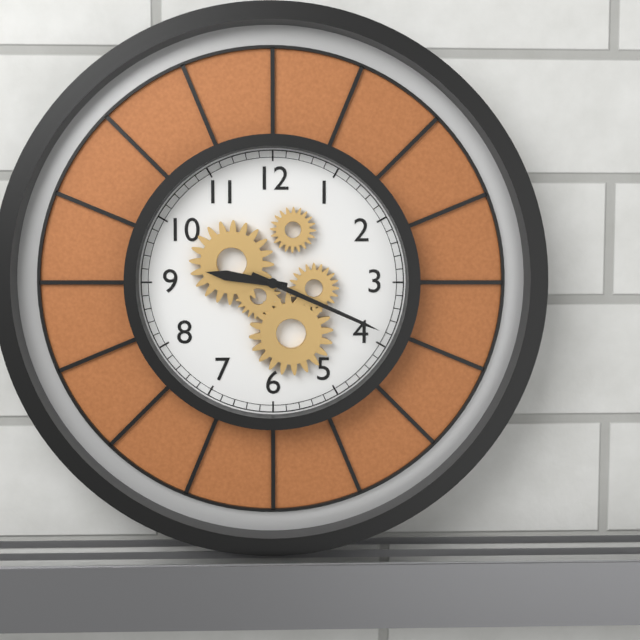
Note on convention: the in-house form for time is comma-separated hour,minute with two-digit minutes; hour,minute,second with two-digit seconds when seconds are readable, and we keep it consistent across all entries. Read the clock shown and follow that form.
9,19
